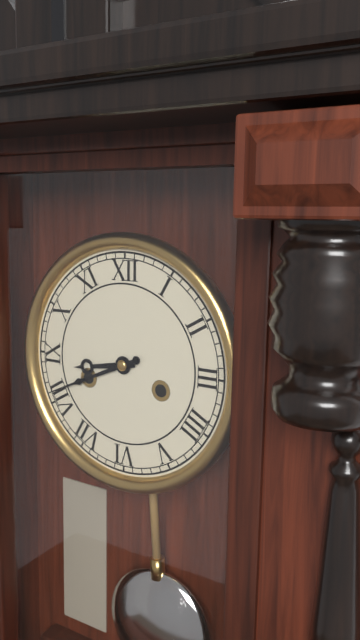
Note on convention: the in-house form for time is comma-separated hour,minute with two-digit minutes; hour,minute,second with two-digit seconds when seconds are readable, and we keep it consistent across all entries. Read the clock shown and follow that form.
8,41
